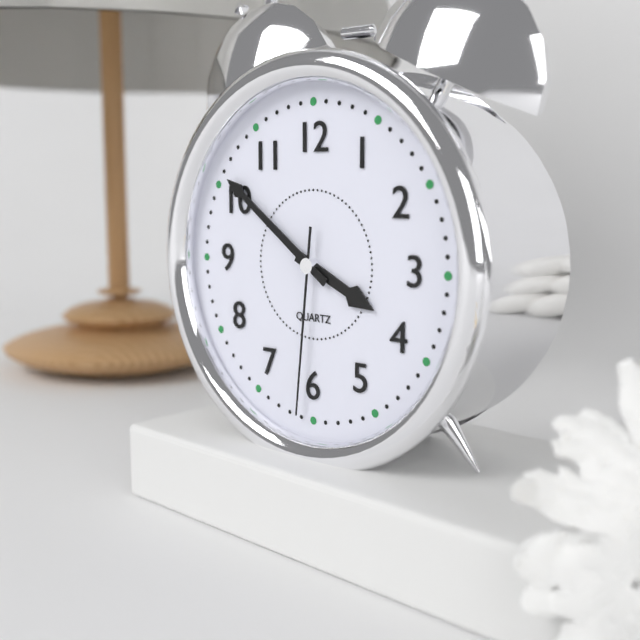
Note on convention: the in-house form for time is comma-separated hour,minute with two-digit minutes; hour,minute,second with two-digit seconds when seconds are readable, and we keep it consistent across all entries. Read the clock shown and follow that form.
3,51,31
